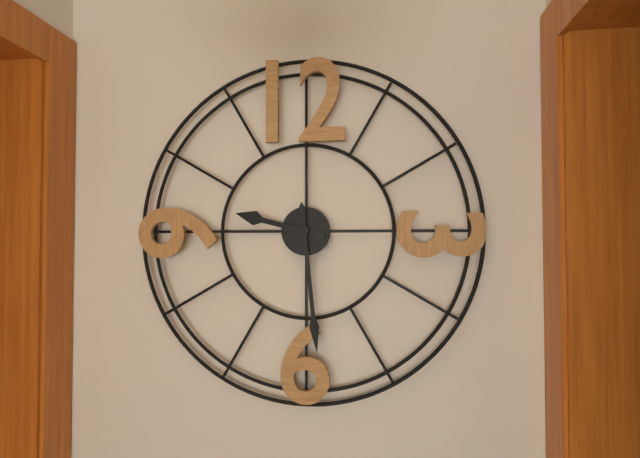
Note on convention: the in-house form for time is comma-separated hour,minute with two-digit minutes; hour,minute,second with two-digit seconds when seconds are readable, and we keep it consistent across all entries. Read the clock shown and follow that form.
9,29
